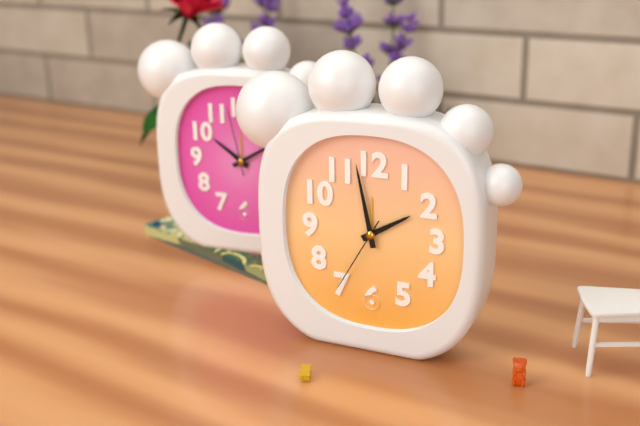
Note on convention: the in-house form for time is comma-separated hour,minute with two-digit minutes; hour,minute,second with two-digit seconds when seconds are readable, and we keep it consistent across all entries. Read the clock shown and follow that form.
1,58,35
